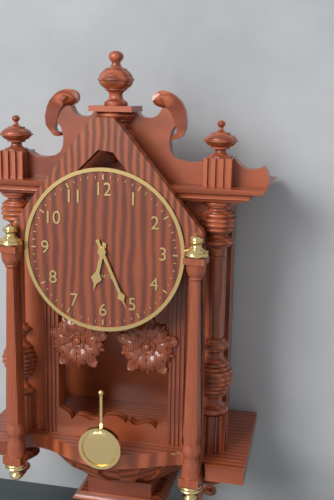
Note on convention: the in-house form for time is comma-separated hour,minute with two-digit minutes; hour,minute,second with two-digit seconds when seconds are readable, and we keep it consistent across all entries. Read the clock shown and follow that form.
6,26
